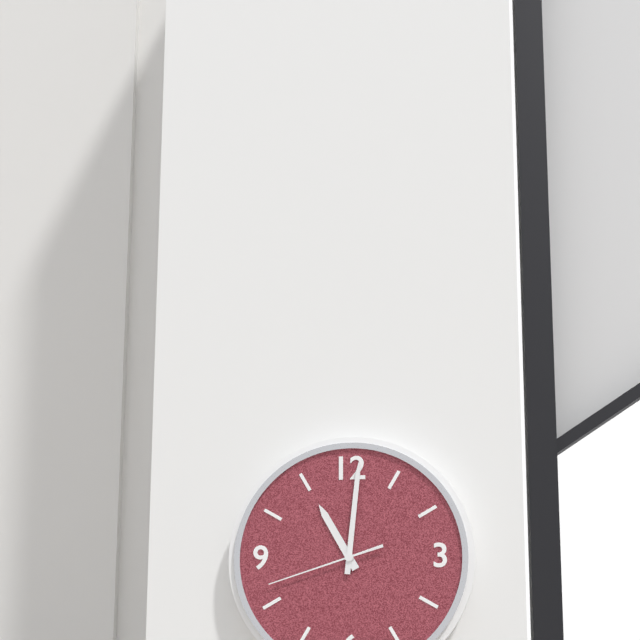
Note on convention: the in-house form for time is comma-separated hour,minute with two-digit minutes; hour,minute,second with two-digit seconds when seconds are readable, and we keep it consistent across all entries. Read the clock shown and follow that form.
11,01,42
